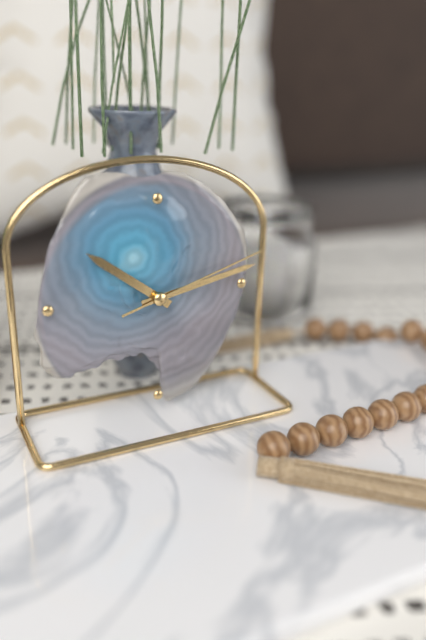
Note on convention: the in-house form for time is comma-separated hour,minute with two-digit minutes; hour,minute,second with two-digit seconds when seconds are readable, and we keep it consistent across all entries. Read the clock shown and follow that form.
10,13,12
